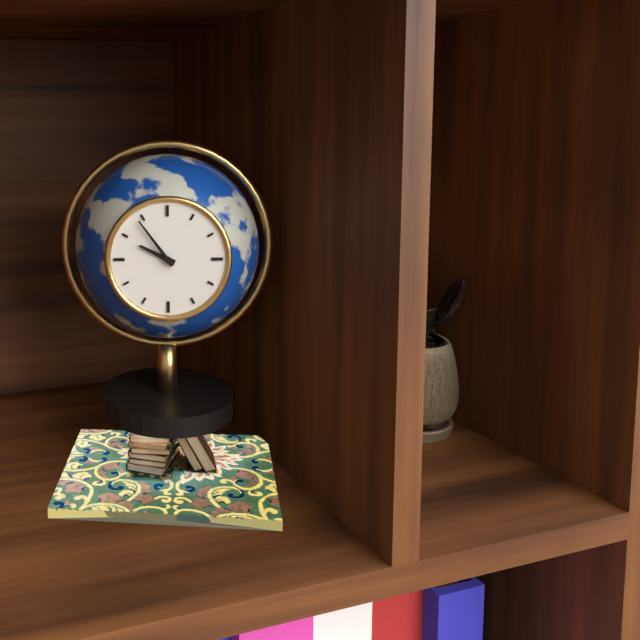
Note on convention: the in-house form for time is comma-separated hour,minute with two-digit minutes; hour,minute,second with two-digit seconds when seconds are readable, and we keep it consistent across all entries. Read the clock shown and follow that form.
9,54
